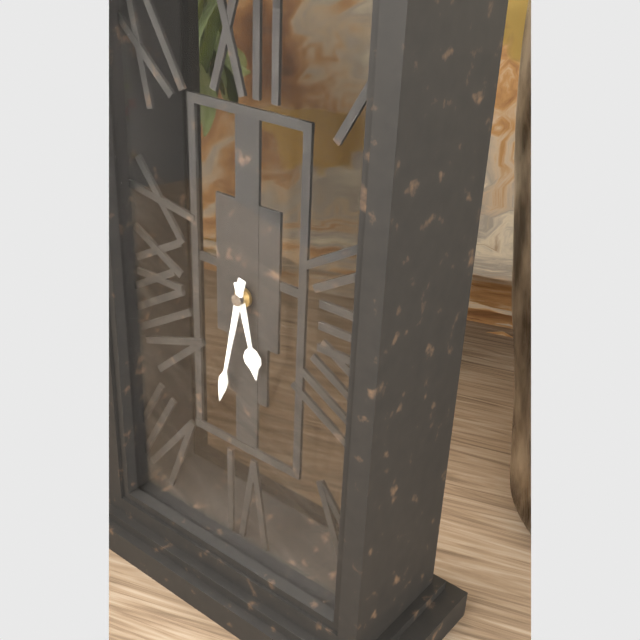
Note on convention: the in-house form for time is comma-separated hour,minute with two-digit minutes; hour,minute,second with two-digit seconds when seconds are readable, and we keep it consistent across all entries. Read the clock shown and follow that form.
5,32
